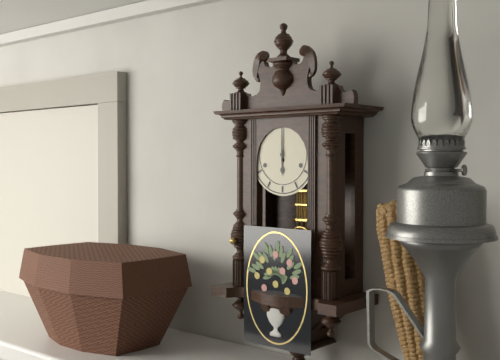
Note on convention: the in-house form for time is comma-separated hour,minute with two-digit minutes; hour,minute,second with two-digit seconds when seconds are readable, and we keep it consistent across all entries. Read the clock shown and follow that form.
6,00
